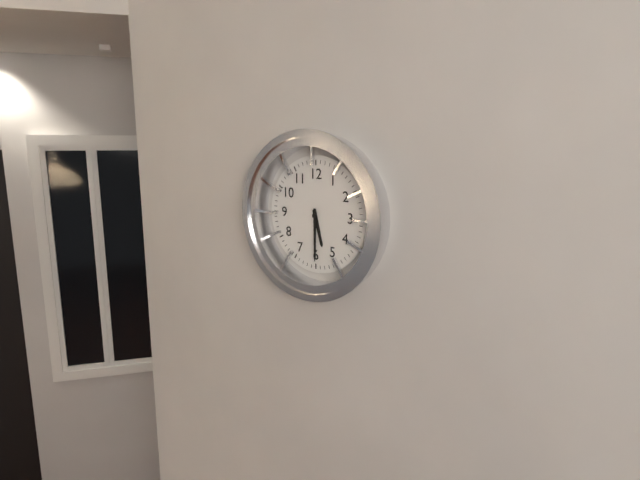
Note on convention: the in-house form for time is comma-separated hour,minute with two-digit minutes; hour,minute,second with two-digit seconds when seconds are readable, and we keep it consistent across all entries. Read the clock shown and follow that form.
5,30
